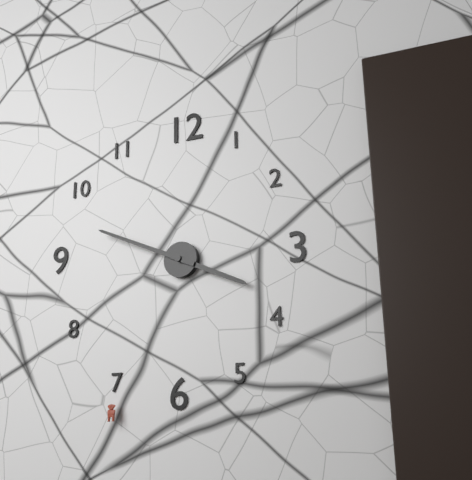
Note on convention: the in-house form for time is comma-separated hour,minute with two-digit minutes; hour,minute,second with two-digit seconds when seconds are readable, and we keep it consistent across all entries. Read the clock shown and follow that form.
3,49
